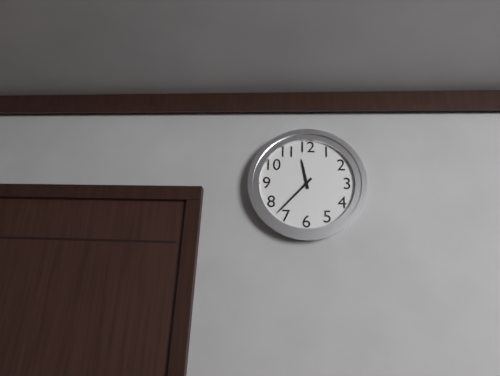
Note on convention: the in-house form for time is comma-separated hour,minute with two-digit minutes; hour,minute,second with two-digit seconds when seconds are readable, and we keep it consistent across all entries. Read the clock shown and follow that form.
11,37
